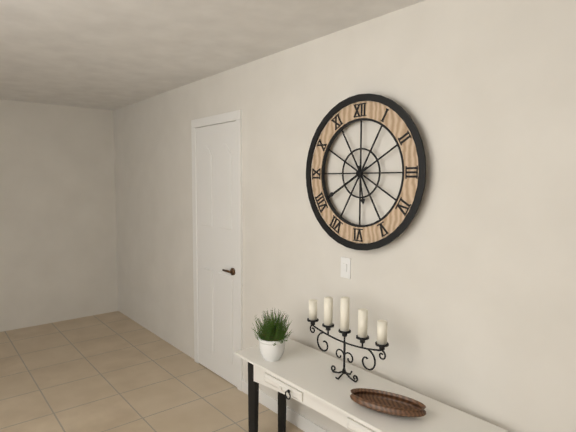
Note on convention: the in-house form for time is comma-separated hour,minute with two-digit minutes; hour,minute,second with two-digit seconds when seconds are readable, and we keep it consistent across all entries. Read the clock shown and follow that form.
5,40
